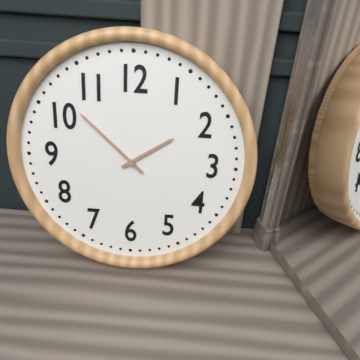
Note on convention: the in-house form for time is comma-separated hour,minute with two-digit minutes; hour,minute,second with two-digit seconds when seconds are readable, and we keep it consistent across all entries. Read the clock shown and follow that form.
1,52
